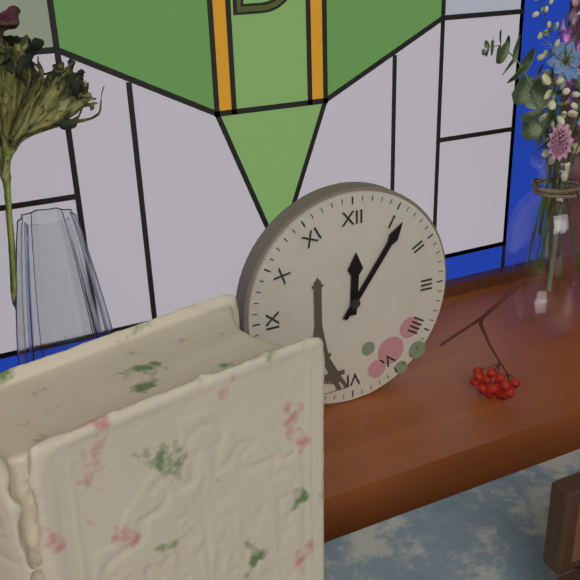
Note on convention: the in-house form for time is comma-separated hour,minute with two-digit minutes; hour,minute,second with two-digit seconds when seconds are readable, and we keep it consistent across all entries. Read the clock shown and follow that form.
12,06
